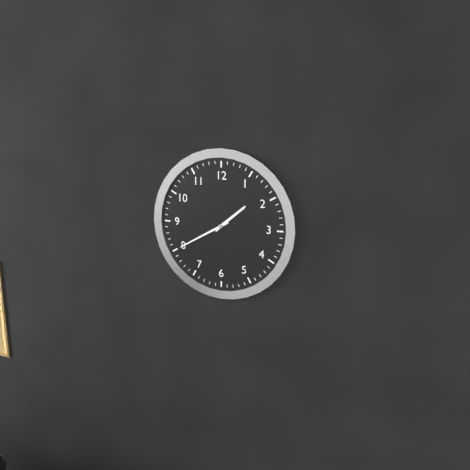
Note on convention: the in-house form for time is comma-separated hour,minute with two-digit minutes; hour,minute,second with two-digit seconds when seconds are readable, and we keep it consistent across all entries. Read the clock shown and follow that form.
1,40
